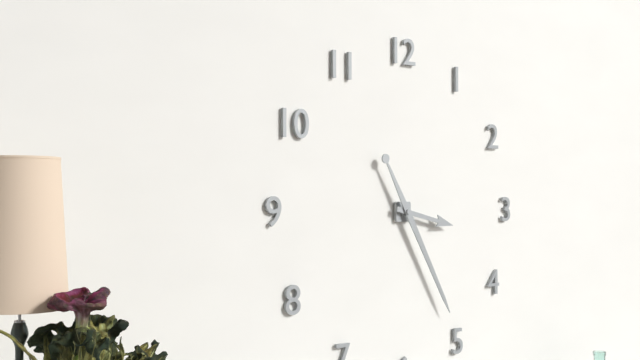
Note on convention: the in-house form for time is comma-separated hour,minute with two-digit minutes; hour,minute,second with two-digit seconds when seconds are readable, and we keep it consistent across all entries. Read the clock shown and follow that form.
3,25
